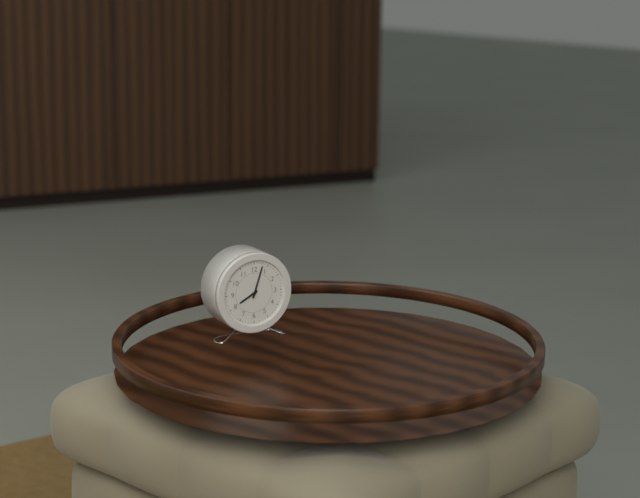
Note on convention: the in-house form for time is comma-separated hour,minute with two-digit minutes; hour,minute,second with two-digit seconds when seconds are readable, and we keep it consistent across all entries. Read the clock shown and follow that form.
8,03
